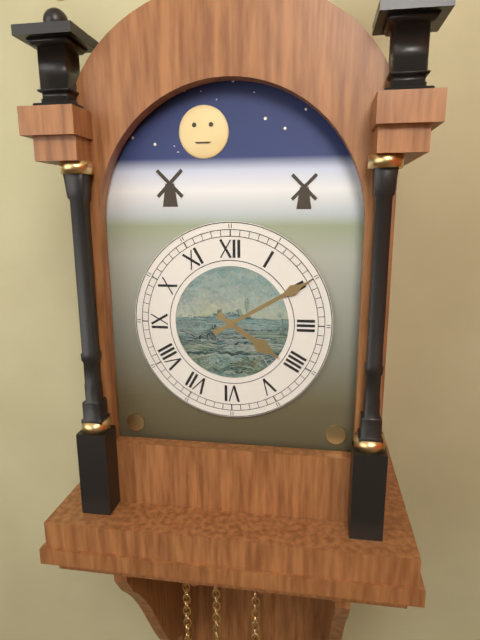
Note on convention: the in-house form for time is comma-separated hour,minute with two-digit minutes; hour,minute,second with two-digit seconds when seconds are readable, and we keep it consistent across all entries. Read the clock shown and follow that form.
4,10
